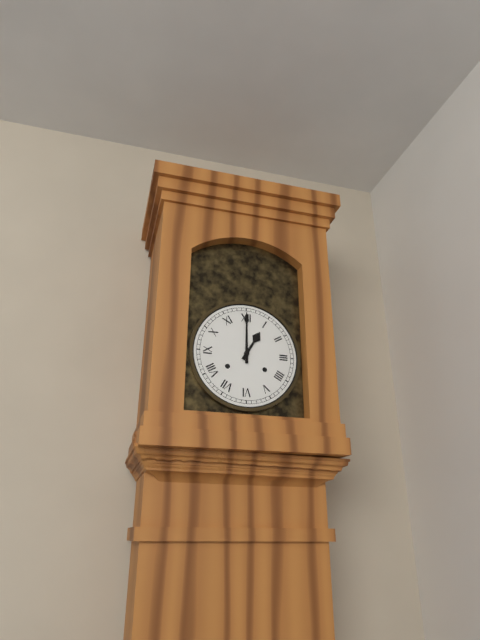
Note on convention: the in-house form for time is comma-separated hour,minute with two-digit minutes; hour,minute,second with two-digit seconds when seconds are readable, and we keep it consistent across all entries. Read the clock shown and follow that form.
1,00
